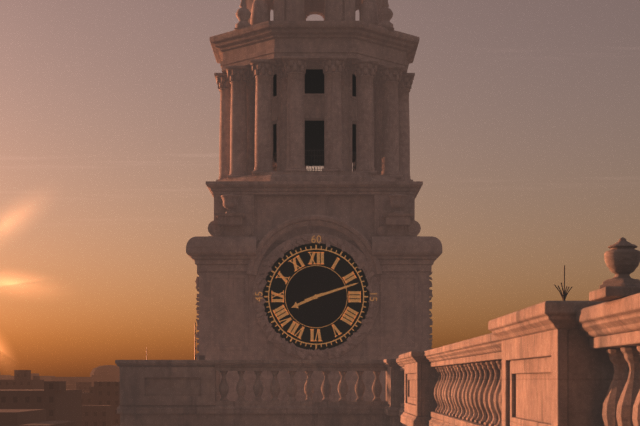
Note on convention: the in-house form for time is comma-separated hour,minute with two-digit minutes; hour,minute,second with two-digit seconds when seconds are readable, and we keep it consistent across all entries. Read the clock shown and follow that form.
8,12
